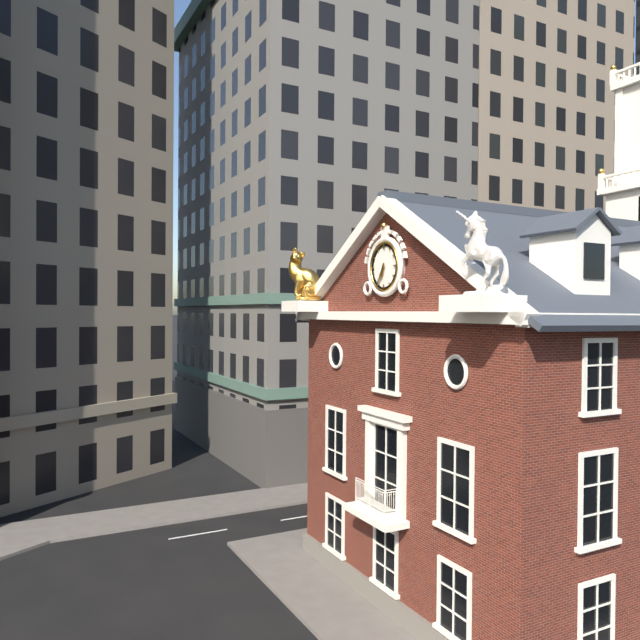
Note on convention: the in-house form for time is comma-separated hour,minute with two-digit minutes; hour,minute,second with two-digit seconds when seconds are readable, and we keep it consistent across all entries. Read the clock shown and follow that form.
6,35
